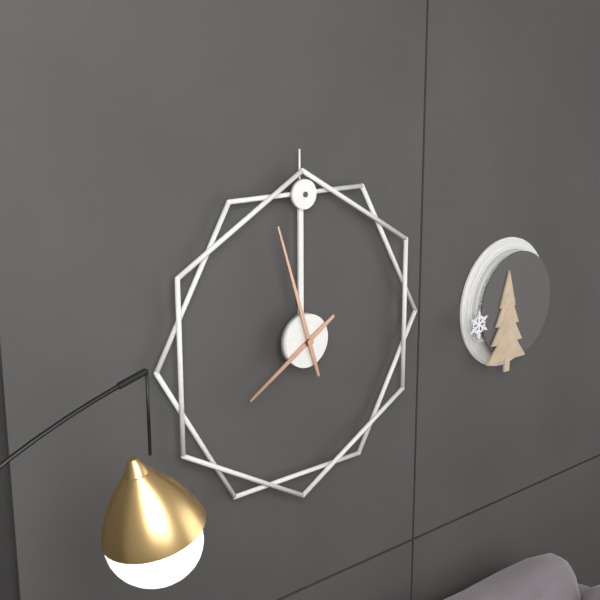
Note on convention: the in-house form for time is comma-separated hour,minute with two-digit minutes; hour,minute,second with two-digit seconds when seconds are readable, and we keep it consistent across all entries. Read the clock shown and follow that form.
7,57
